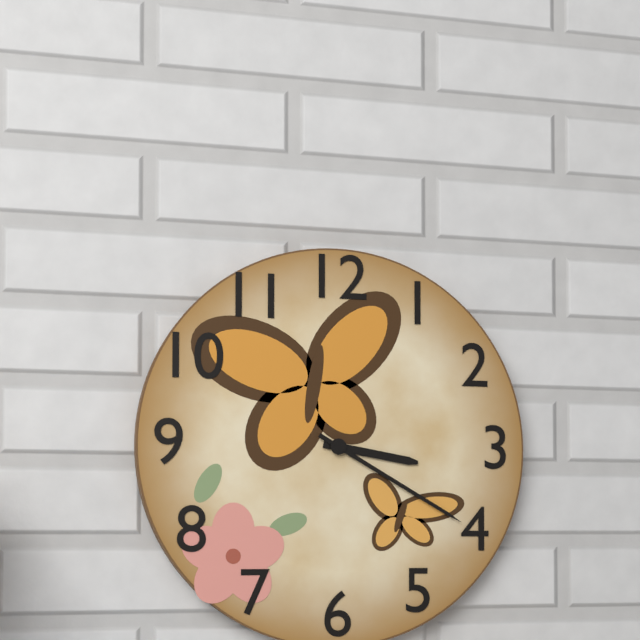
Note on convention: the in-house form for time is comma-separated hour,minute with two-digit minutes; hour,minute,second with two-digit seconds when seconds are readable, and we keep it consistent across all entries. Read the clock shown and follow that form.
3,20
